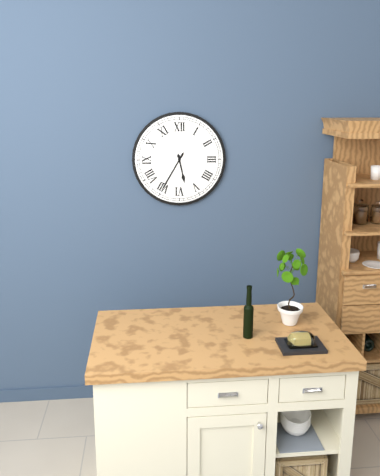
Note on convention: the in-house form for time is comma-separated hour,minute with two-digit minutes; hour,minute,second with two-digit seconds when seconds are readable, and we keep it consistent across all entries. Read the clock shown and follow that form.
5,35
